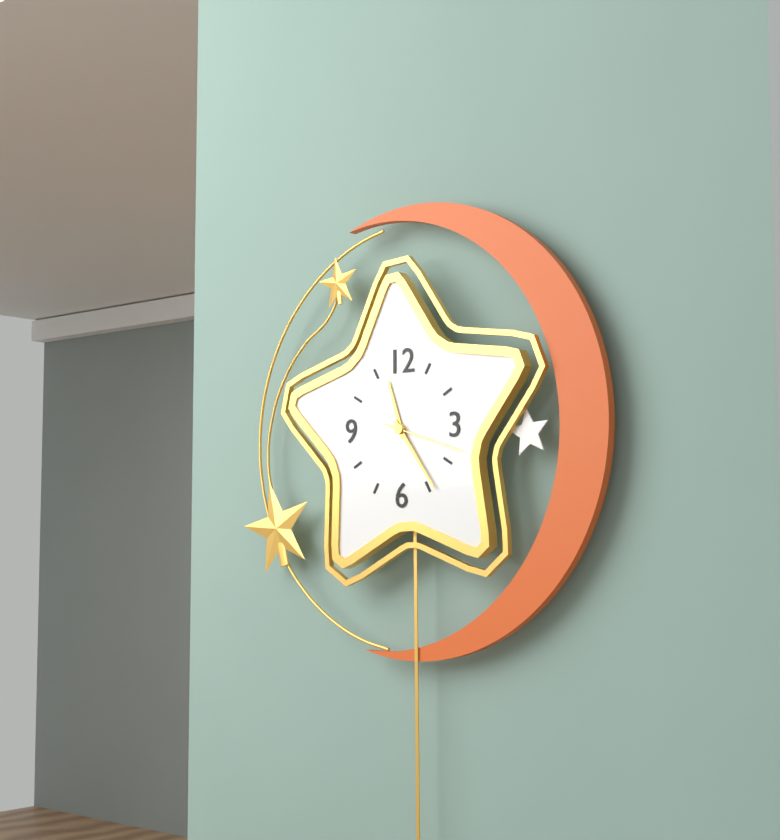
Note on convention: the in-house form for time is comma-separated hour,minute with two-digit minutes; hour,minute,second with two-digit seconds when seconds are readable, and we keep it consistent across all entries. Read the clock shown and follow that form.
11,24,18
